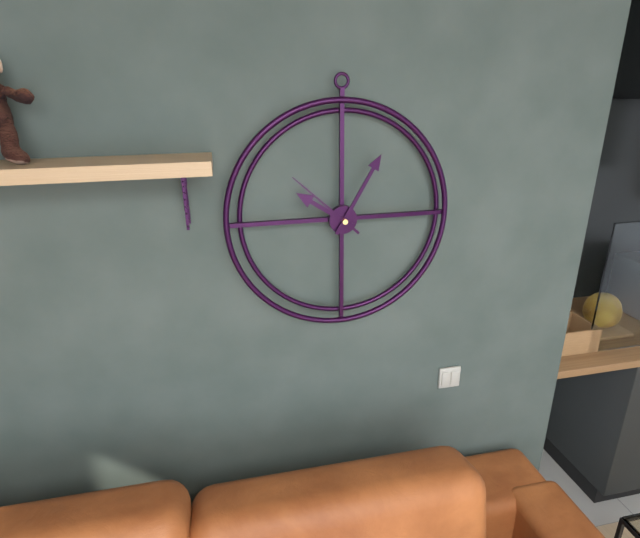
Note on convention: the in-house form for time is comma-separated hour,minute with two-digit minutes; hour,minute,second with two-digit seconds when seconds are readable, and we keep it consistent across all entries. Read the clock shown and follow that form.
10,05,52
